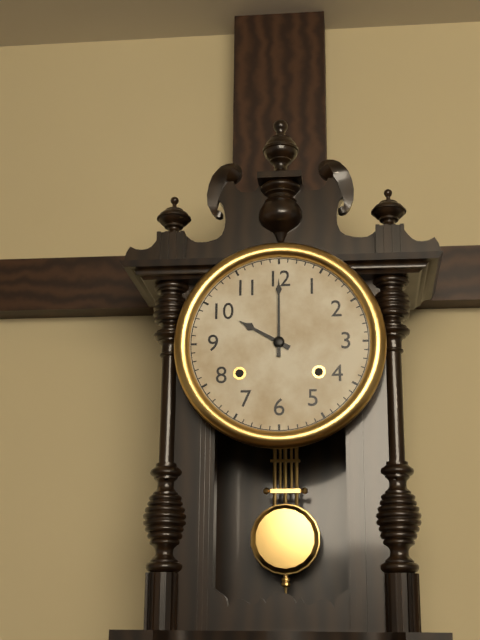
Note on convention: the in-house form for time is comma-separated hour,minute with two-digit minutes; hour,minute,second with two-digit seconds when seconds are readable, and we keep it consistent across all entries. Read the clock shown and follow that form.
10,00
